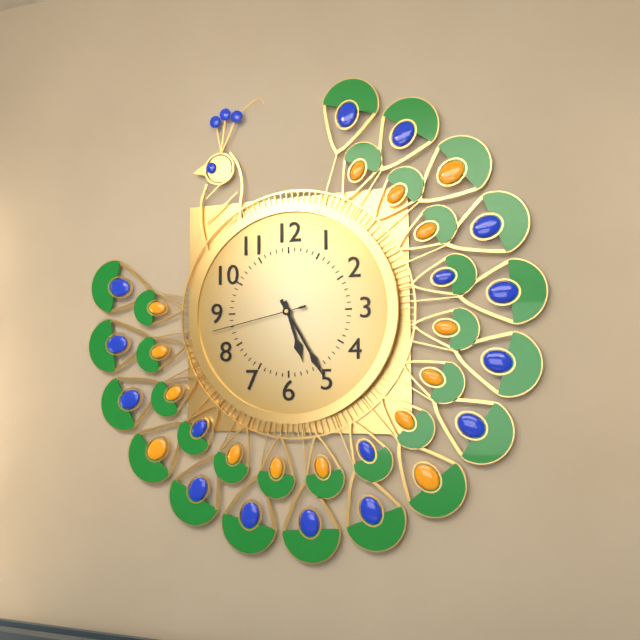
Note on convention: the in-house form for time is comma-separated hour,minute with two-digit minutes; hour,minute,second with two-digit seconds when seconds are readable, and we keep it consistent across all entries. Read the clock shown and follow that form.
5,25,43
